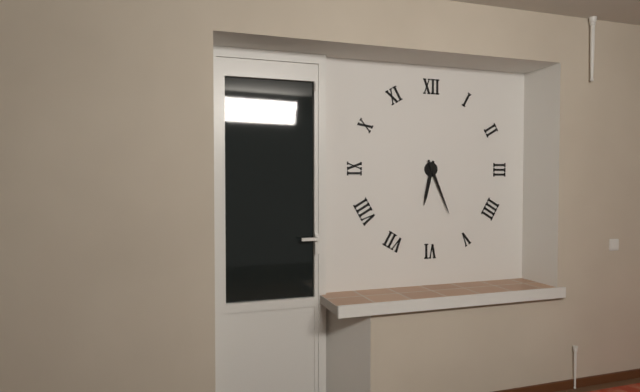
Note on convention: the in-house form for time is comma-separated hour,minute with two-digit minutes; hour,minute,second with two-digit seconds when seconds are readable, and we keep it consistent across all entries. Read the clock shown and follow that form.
6,26
